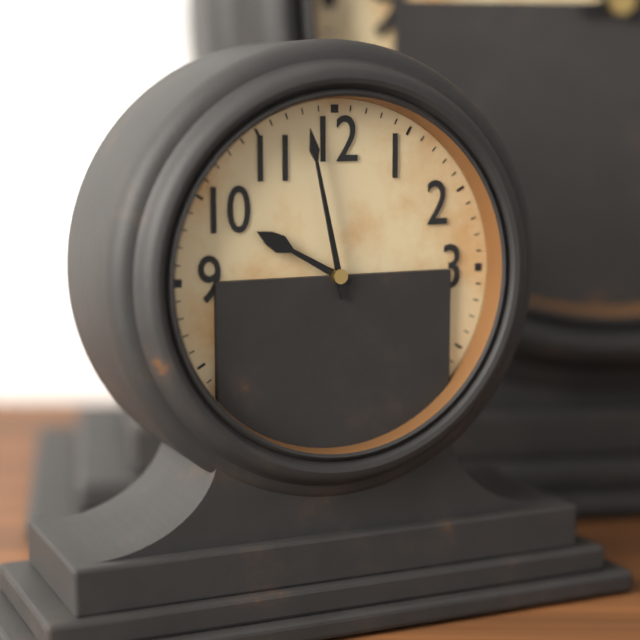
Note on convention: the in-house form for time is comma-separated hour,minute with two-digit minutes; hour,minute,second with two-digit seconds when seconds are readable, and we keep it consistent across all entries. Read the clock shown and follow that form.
9,58
